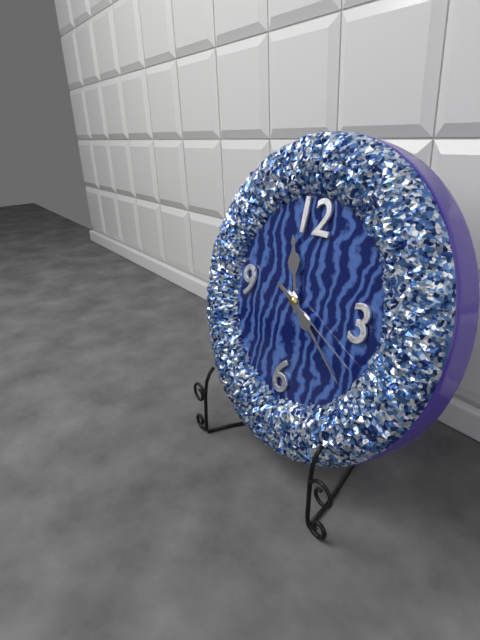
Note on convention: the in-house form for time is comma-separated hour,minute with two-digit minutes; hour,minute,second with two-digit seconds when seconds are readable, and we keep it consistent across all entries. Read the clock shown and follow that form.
11,21,19
